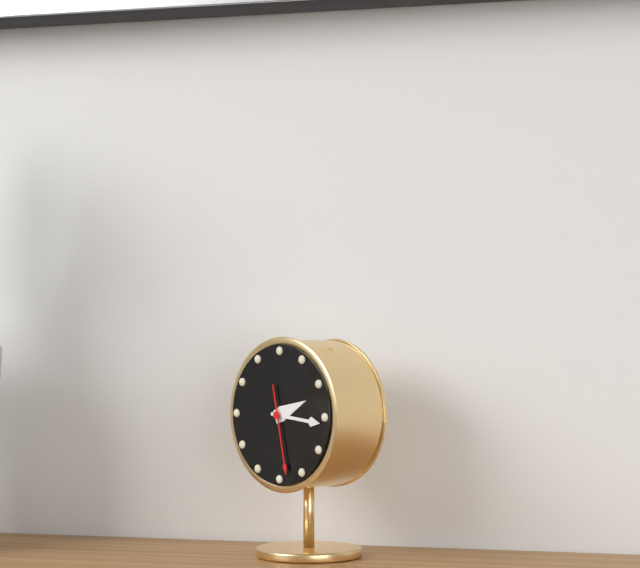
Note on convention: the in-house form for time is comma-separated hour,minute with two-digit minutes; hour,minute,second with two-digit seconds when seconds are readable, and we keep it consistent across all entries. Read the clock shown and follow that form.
2,16,28
